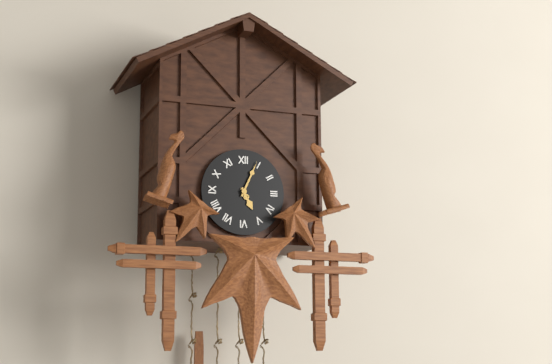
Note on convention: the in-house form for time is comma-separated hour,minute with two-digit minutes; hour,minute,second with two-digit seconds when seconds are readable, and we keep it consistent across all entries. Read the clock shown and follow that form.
5,04
